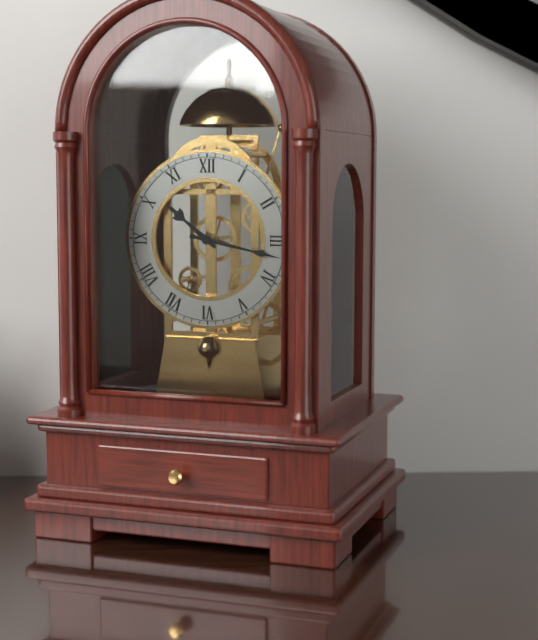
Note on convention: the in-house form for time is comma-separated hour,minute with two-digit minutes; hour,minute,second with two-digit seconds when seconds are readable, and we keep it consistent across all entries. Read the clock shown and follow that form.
10,17
